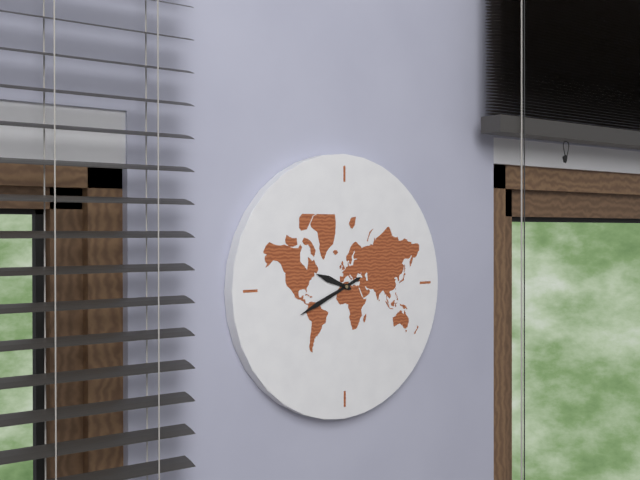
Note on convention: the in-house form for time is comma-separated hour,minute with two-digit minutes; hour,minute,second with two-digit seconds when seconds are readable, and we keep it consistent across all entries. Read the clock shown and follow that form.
9,41
